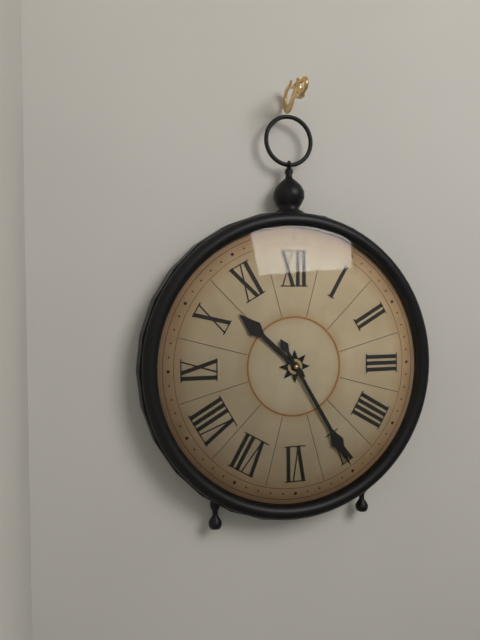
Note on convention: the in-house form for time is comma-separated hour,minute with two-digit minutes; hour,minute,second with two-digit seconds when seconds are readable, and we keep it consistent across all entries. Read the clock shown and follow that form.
10,25
